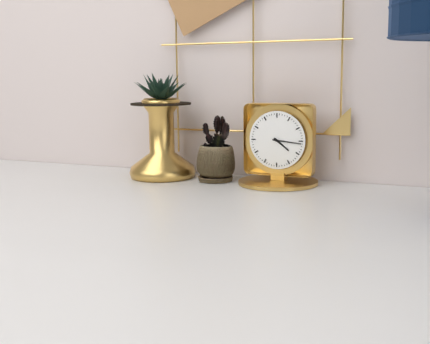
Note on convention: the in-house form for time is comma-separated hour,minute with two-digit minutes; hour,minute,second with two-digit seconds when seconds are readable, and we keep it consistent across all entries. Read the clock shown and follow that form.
4,16
